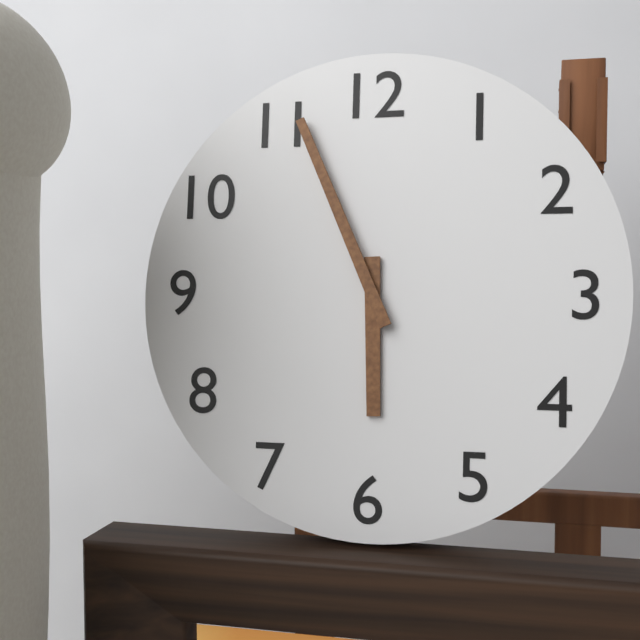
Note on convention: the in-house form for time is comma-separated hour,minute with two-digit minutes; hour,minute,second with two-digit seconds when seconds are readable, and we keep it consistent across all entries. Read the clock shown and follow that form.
5,56
